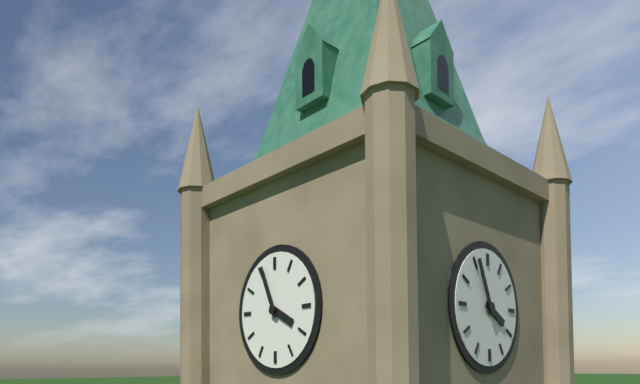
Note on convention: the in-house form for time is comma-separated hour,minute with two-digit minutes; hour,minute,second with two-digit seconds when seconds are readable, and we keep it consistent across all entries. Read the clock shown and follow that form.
3,56
